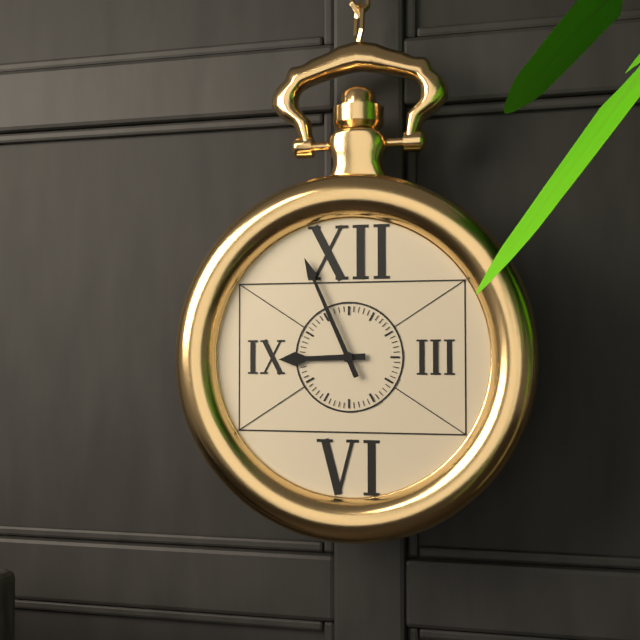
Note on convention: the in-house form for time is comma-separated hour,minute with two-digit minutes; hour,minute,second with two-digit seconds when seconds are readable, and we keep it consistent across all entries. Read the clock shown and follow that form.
8,56
